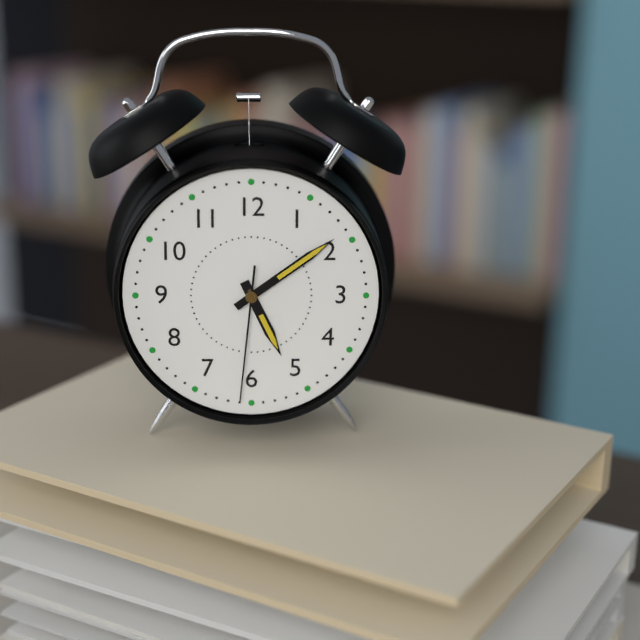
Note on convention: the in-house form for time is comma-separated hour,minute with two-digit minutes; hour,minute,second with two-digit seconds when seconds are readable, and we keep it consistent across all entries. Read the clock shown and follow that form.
5,09,31
